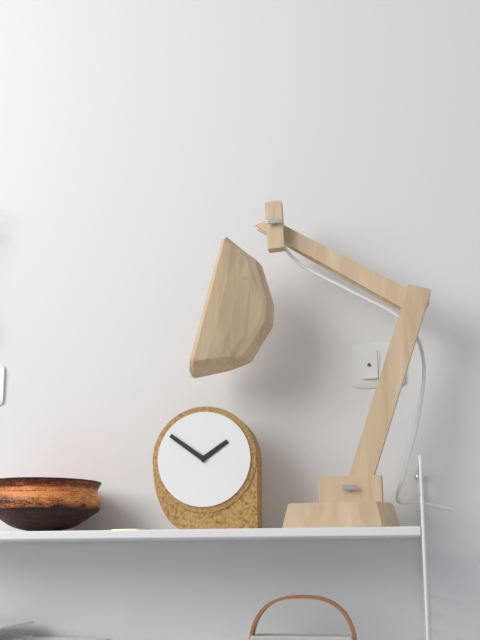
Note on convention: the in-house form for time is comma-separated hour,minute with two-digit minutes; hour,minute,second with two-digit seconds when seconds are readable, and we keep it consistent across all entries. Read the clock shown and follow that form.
1,51
